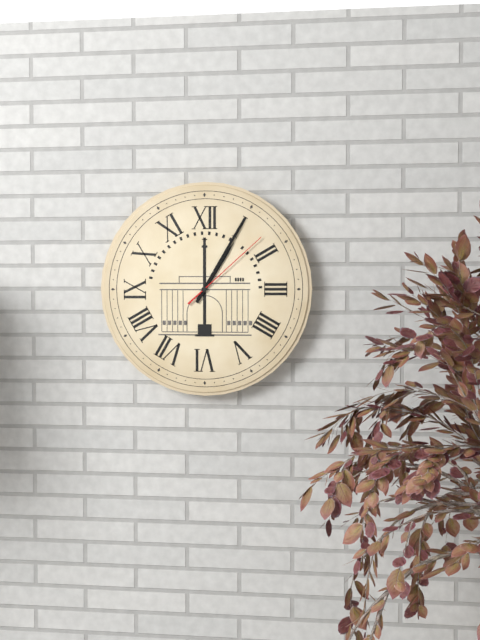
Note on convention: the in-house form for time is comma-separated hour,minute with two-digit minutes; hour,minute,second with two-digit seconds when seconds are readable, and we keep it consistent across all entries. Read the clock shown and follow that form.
1,05,08
